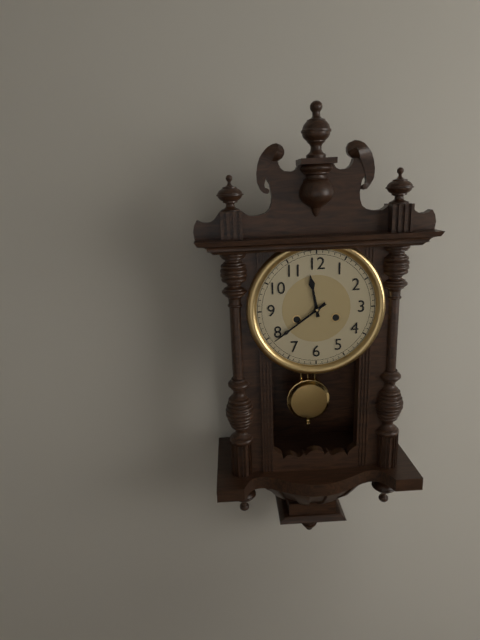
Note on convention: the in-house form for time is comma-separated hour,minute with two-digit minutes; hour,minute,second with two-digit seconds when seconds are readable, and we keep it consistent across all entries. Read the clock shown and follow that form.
11,39
